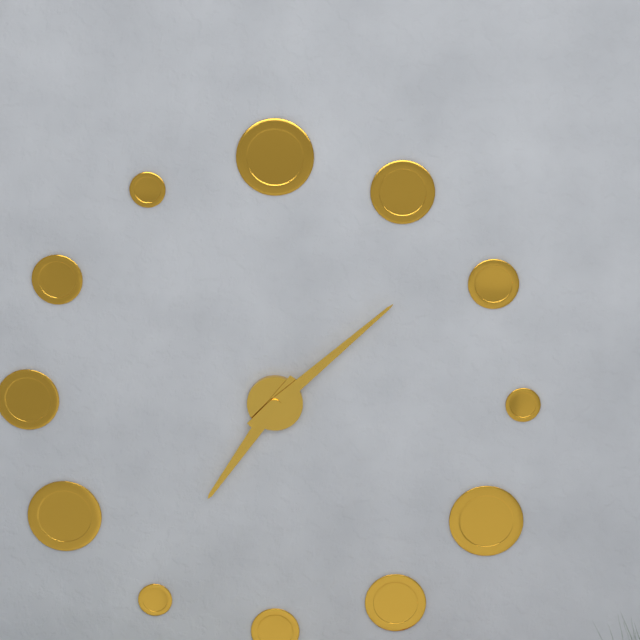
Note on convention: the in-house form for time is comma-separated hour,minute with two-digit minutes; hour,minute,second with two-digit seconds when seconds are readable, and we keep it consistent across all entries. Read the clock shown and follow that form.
7,08
